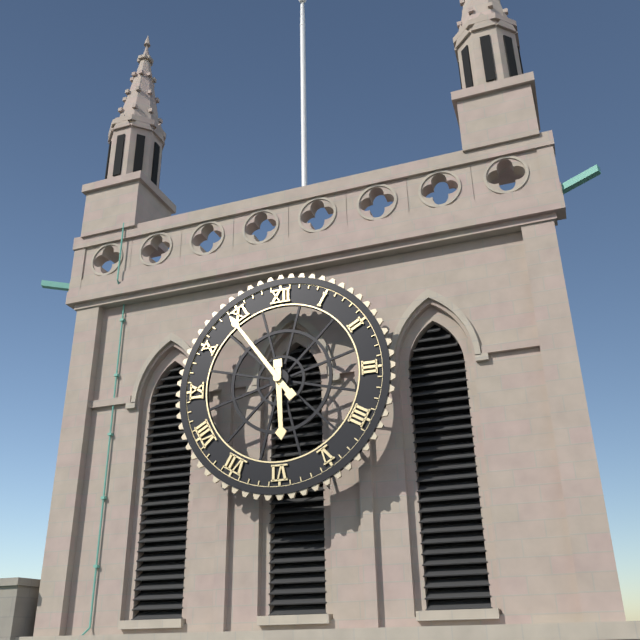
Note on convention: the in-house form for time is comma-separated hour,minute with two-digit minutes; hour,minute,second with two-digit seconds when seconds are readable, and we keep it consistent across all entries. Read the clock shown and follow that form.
5,54
